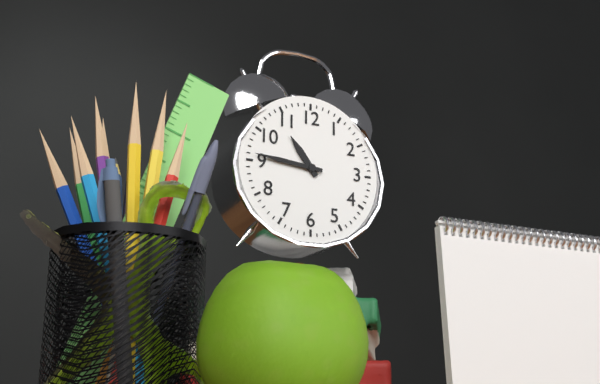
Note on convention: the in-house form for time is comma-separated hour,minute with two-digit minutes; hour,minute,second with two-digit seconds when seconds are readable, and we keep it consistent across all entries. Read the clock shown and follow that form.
10,46
